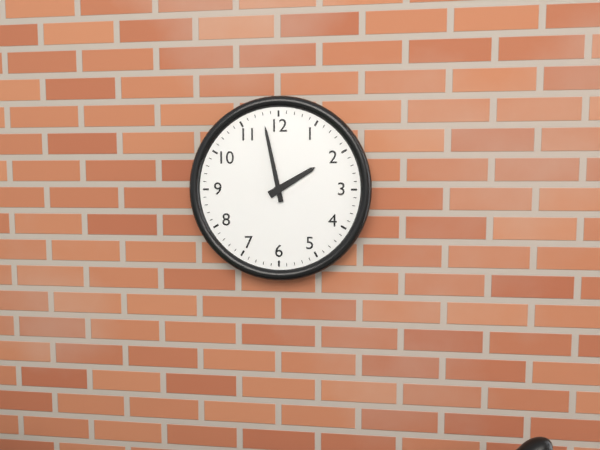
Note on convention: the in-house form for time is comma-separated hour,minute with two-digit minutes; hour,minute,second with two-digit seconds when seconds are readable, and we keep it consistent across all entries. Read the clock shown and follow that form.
1,58
